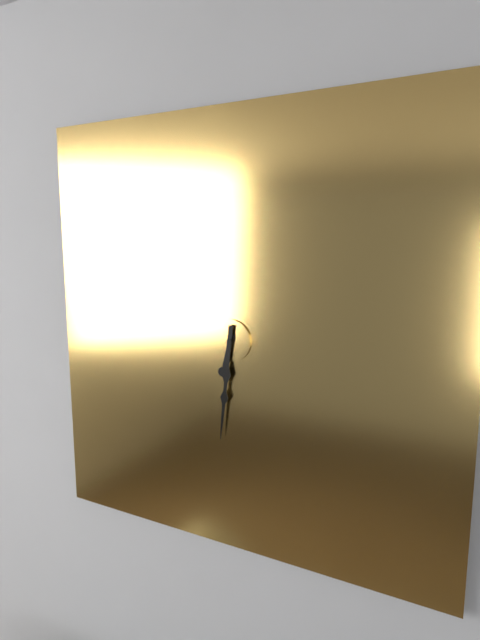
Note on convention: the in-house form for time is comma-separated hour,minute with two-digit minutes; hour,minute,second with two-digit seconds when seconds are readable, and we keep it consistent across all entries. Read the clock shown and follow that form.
6,31
